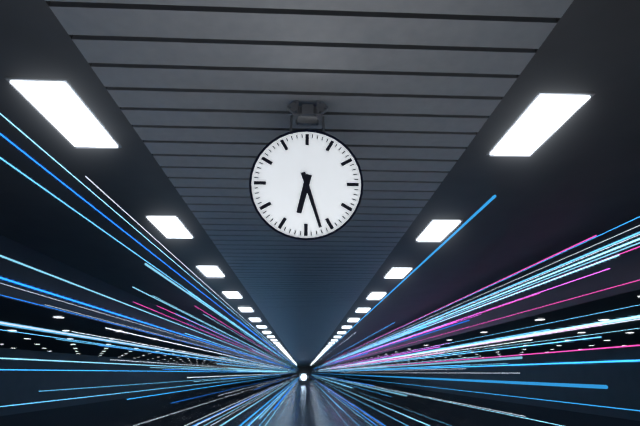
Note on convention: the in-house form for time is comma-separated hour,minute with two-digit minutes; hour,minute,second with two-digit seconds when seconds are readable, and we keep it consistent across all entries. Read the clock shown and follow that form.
6,27
